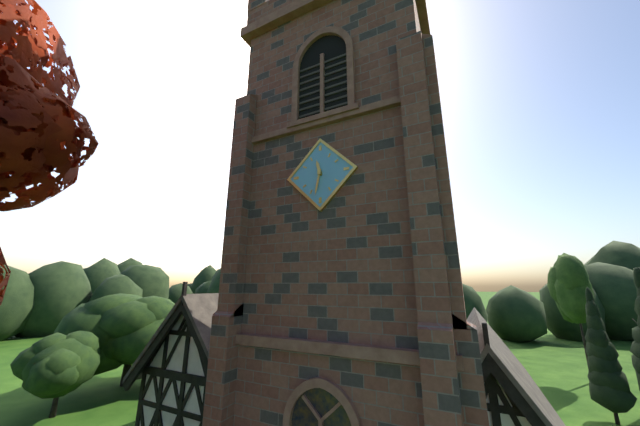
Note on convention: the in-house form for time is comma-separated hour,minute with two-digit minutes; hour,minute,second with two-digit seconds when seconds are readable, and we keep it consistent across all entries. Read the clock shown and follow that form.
11,32
